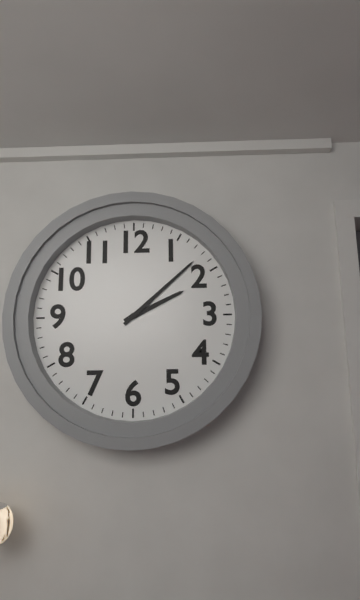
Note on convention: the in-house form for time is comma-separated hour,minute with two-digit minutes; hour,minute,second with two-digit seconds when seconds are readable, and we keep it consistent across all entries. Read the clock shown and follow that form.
2,08
